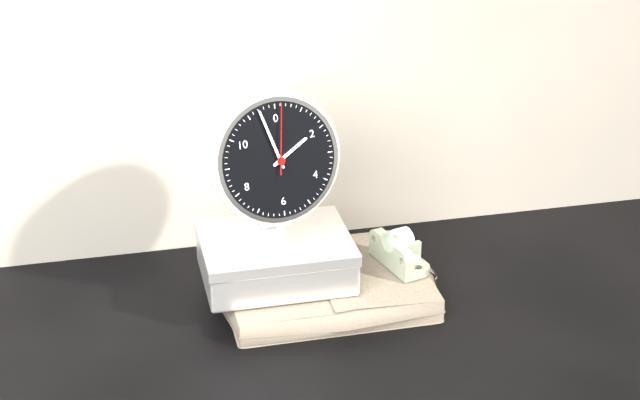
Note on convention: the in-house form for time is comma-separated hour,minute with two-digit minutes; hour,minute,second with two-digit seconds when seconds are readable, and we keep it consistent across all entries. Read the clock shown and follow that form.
1,57,01
